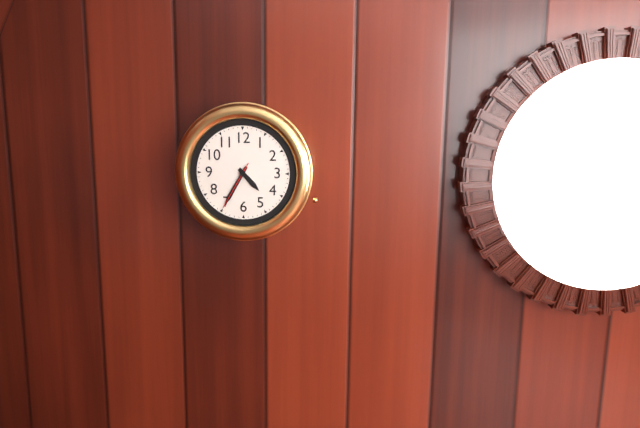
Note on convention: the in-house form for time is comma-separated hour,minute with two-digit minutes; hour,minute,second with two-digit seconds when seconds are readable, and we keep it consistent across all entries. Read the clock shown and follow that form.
4,35,35
